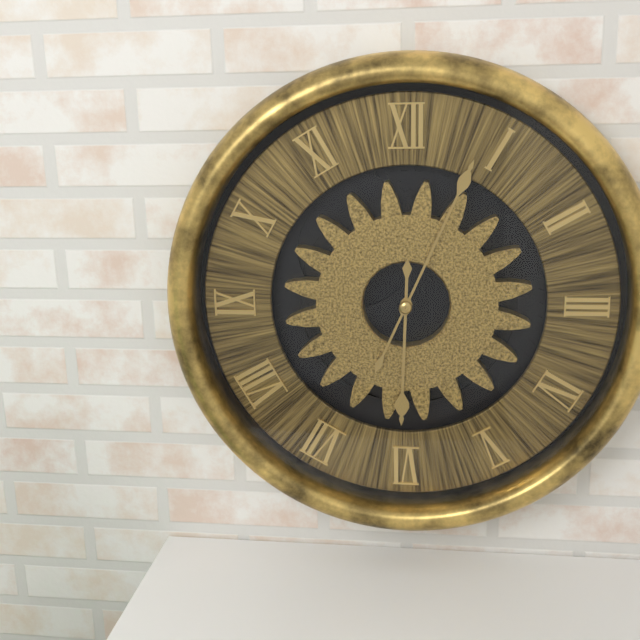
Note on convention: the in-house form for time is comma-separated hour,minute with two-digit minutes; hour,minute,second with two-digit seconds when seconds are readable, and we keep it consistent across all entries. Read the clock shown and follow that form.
6,04
